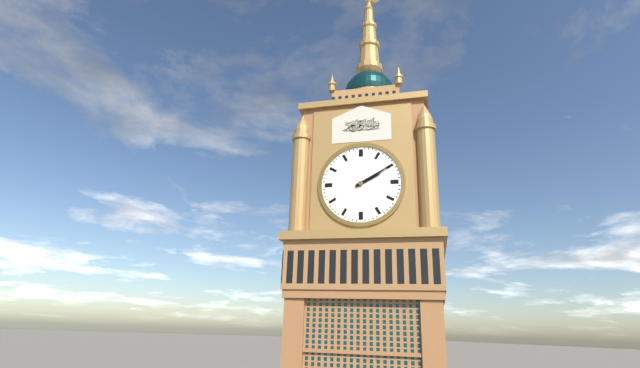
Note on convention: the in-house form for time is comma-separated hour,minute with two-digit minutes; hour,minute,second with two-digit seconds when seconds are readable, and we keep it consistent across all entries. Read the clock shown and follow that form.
2,10
